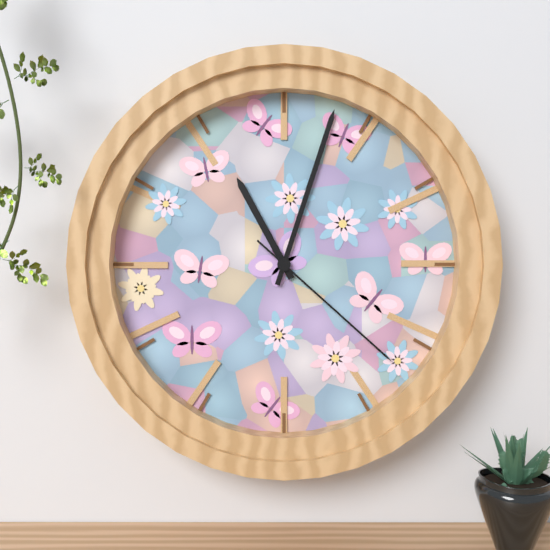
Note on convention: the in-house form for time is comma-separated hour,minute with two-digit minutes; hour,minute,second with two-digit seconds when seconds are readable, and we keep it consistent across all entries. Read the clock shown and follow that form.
11,03,22
